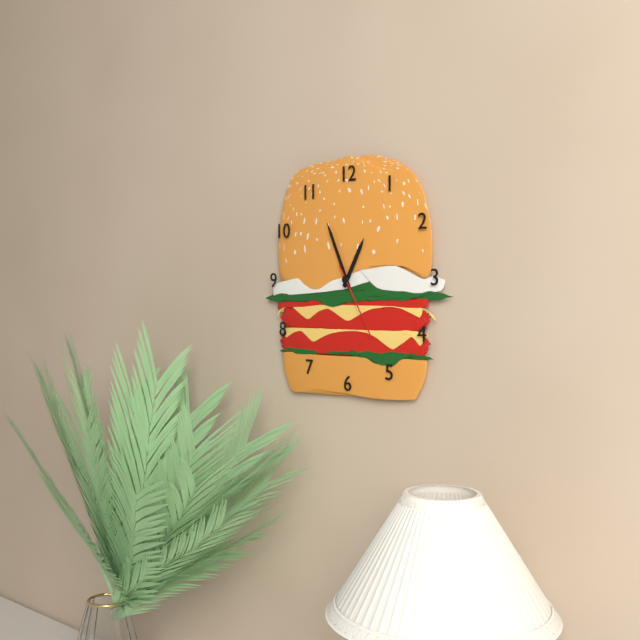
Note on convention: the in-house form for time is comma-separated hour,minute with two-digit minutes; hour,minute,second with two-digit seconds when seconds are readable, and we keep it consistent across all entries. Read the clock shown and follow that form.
12,56,25
